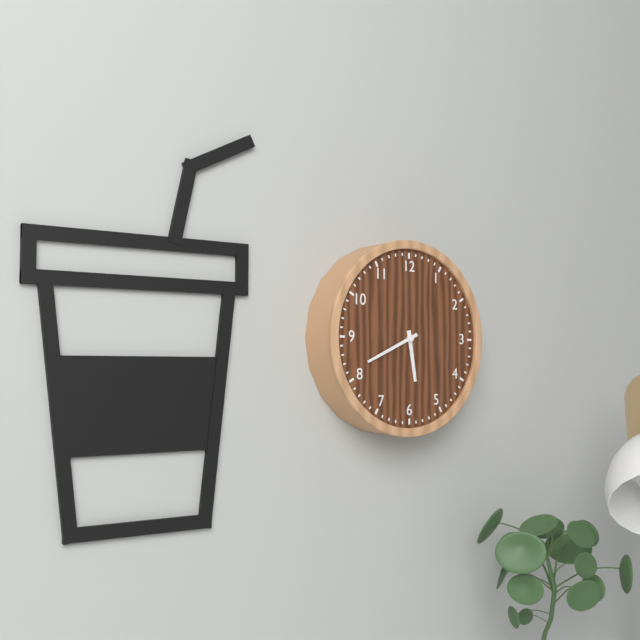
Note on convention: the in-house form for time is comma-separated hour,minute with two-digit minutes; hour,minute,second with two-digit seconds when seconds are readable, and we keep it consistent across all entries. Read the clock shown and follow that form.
5,41
